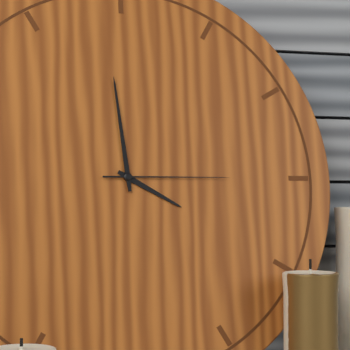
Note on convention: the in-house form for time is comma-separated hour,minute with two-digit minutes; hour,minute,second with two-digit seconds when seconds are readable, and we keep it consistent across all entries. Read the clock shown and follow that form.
3,59,15
